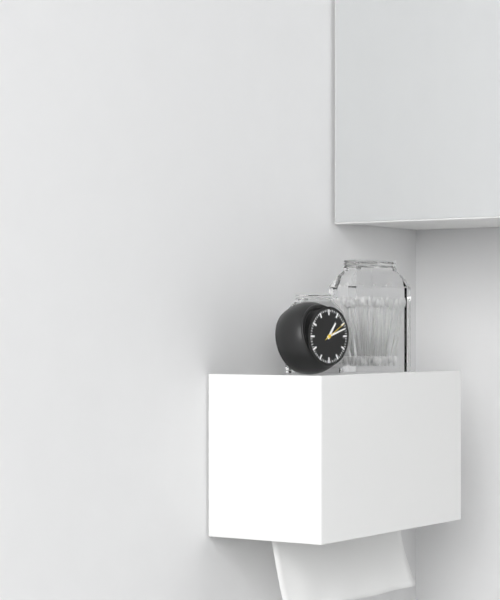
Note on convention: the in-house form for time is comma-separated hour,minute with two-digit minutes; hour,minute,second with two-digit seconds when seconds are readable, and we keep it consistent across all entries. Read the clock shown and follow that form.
1,12
